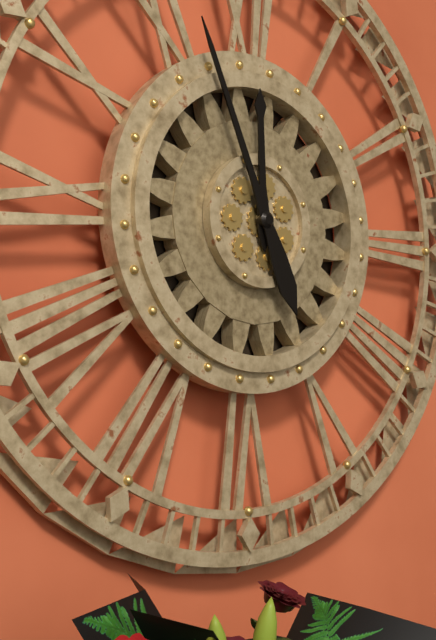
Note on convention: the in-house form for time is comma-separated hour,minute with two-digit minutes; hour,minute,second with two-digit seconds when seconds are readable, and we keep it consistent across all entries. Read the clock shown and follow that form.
11,56
